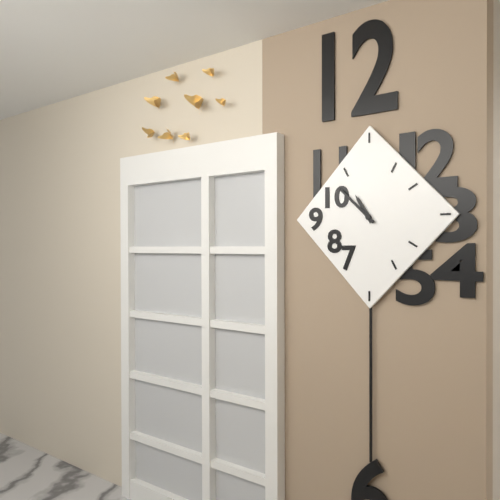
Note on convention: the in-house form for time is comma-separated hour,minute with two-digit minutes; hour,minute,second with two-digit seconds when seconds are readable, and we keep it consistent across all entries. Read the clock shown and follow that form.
10,52
